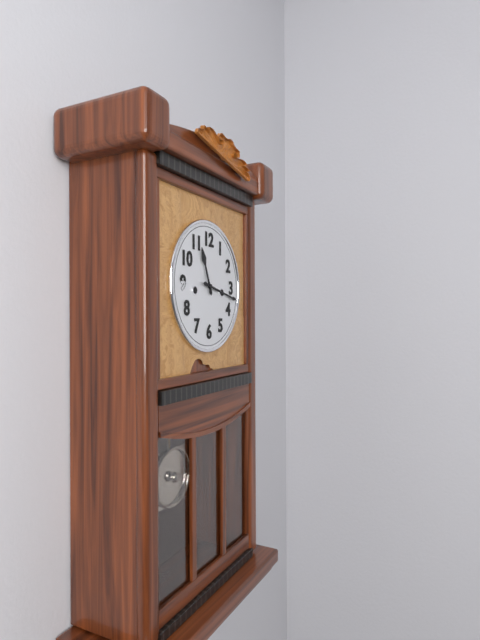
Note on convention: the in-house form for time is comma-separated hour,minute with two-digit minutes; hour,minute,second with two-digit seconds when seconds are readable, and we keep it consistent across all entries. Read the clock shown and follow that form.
11,17
